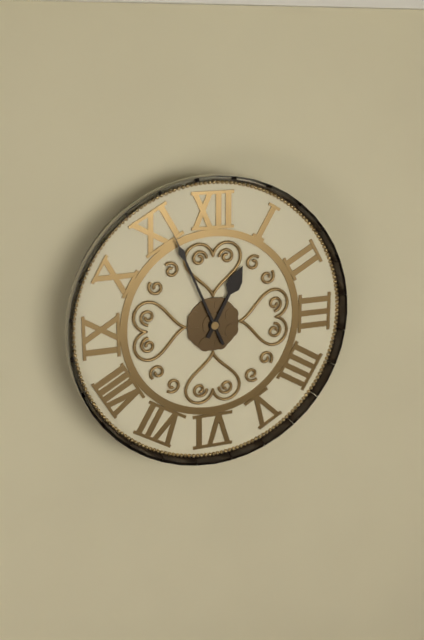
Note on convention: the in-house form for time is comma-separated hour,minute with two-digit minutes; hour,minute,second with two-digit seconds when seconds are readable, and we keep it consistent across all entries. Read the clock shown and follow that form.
12,56
